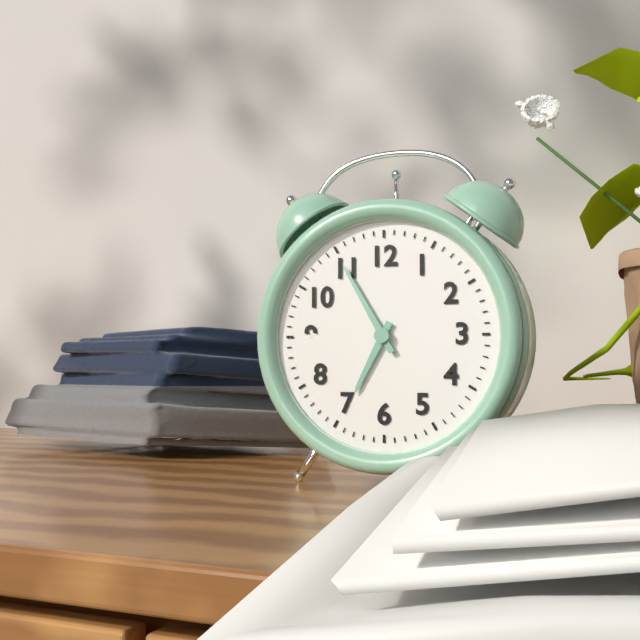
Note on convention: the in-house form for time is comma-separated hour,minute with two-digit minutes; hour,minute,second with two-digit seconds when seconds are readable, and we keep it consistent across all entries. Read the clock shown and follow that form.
6,55
